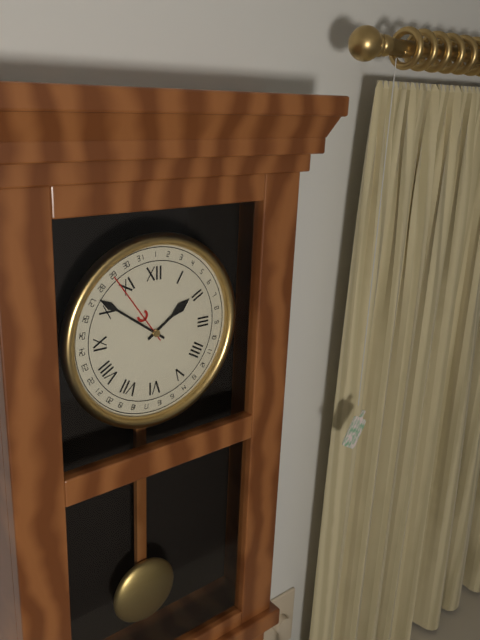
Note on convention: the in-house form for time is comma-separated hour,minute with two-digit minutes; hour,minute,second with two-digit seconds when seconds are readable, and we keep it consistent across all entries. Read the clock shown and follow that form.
1,51
